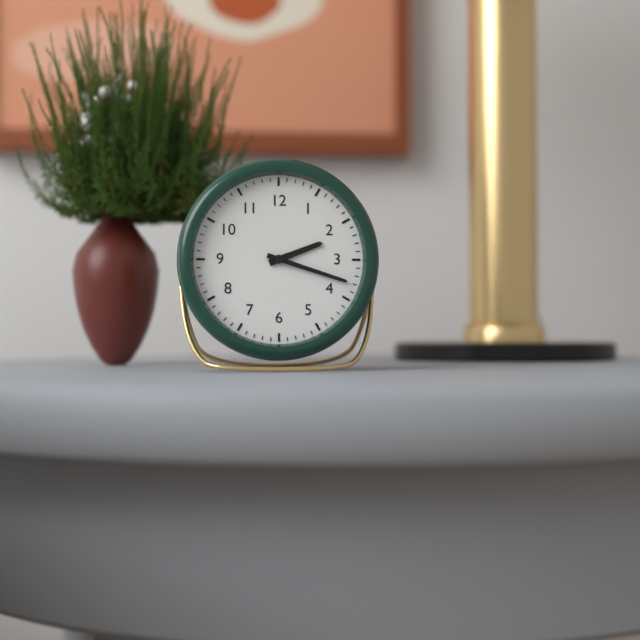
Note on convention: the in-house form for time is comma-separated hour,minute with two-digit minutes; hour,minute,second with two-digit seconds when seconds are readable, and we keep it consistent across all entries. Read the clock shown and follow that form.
2,18
